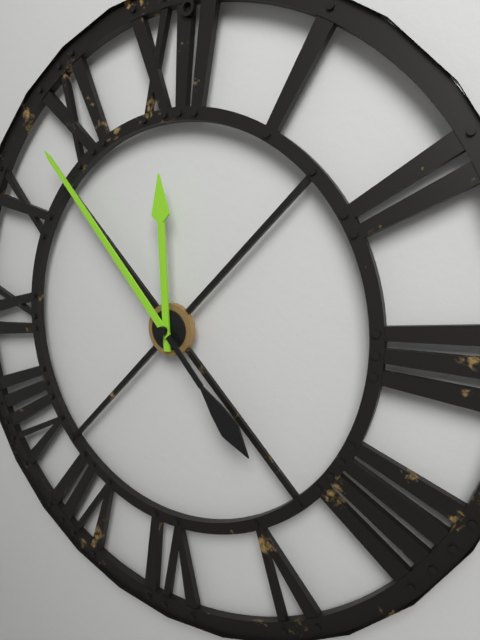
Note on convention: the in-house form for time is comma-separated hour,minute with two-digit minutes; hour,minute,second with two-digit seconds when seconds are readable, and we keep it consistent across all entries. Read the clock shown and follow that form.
11,53
